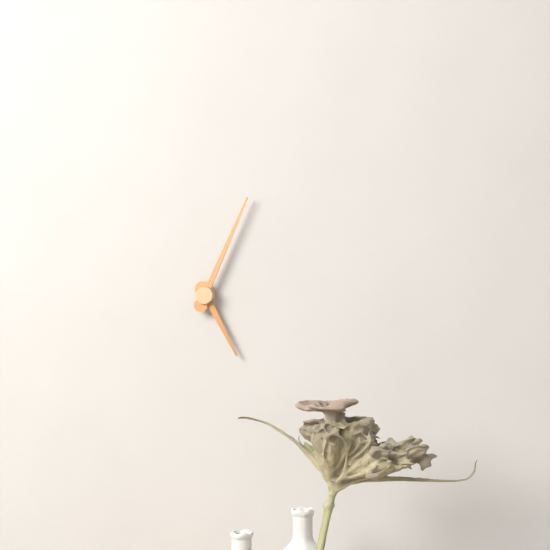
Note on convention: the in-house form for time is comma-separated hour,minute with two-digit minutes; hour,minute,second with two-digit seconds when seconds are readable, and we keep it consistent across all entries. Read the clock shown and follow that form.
5,04
